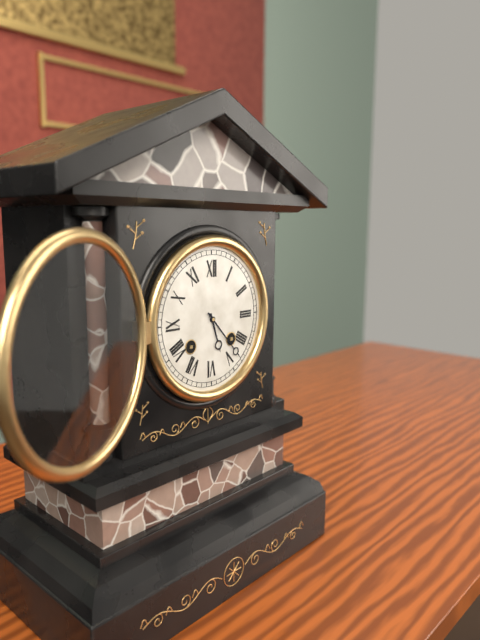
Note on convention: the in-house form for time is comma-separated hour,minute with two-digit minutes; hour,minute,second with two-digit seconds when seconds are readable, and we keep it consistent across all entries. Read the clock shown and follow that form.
5,23
